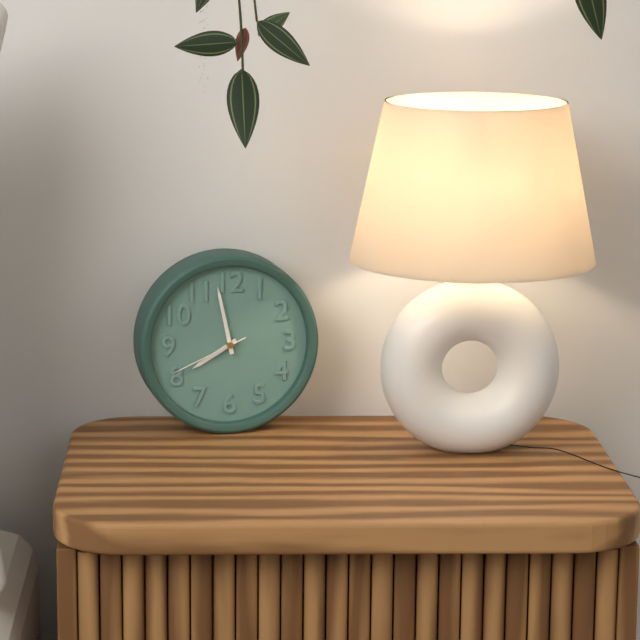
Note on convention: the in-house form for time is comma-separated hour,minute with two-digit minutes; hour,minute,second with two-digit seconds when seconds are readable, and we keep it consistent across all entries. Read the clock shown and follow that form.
7,58,41
